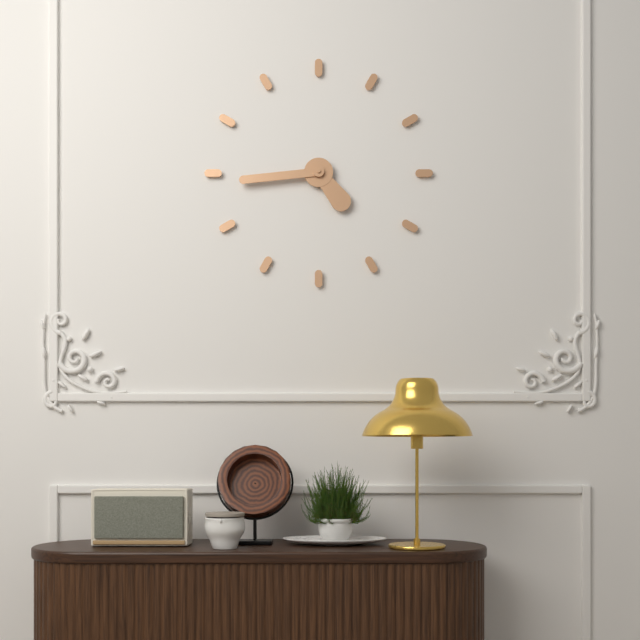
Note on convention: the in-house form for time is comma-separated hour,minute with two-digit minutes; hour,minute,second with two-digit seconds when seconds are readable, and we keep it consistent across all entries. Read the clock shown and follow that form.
4,44
